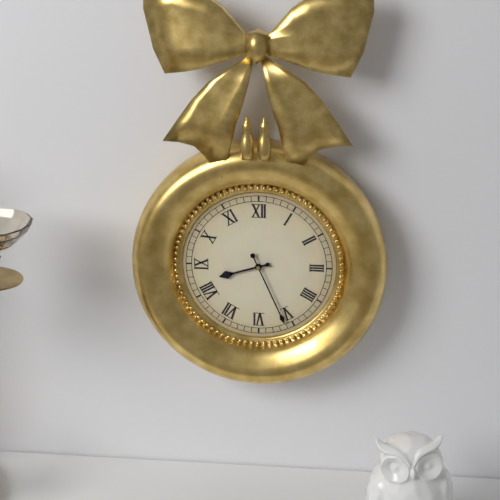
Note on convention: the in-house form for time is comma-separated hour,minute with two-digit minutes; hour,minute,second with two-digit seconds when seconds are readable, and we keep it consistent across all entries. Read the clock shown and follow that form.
8,26
